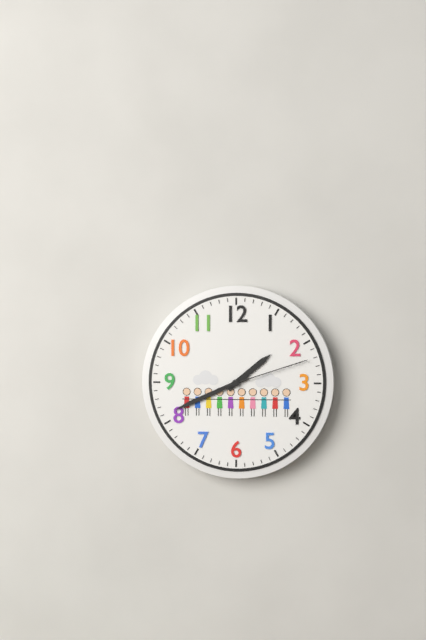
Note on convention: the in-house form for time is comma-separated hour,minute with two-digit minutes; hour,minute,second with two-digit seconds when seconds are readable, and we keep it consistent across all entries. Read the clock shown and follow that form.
1,41,12
